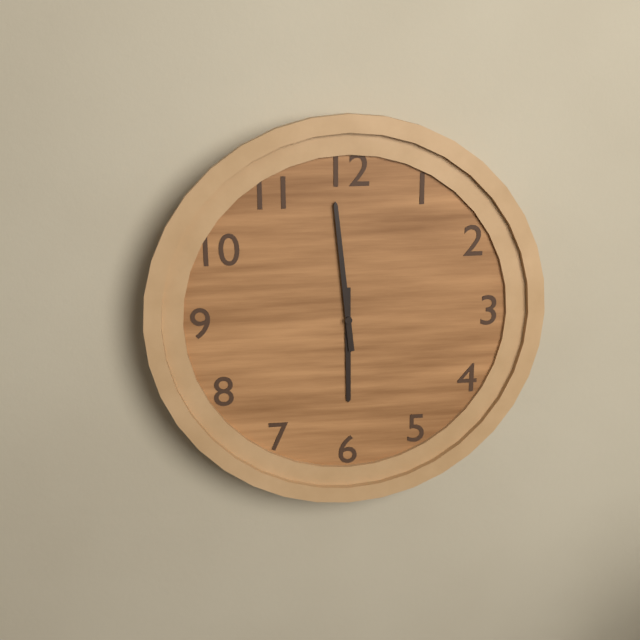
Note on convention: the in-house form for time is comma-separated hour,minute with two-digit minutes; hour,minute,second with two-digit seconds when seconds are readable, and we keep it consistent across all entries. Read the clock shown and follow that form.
5,59
